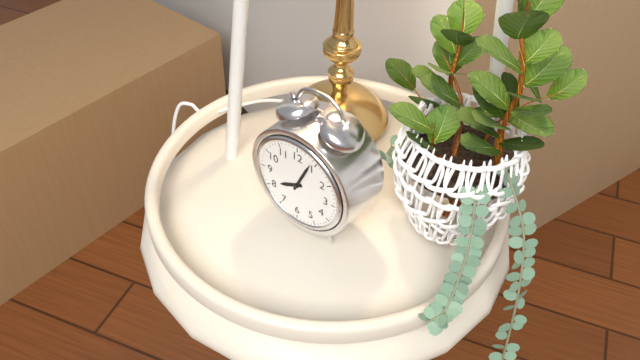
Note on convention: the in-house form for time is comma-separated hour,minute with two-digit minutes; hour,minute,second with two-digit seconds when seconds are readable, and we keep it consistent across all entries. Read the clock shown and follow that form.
8,04
